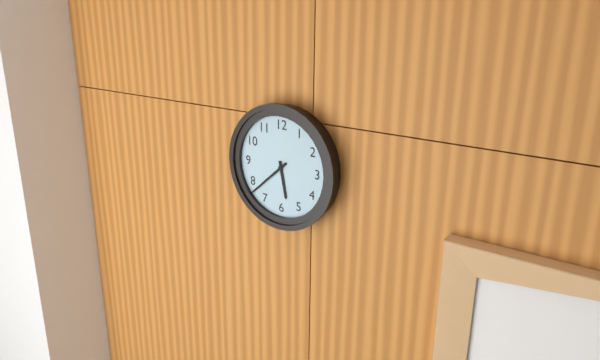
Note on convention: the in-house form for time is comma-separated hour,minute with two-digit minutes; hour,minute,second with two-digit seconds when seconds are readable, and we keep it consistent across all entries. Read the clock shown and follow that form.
5,38
